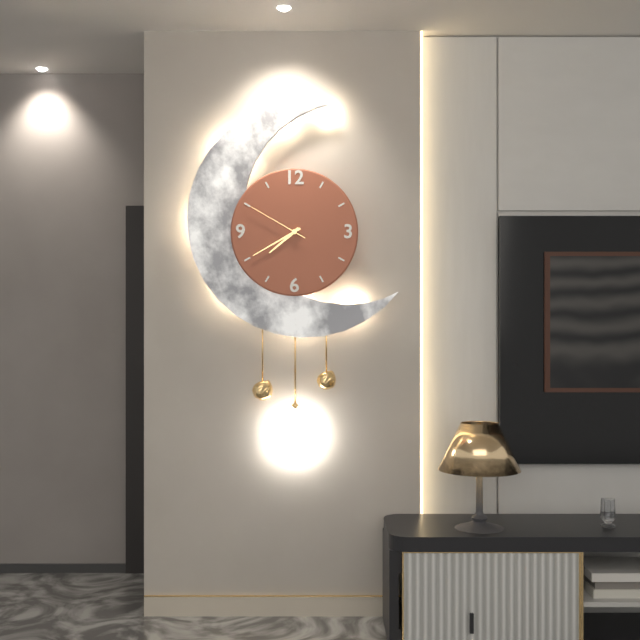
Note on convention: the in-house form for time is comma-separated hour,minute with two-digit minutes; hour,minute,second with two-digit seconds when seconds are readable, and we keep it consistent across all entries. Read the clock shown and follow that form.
7,40,50
